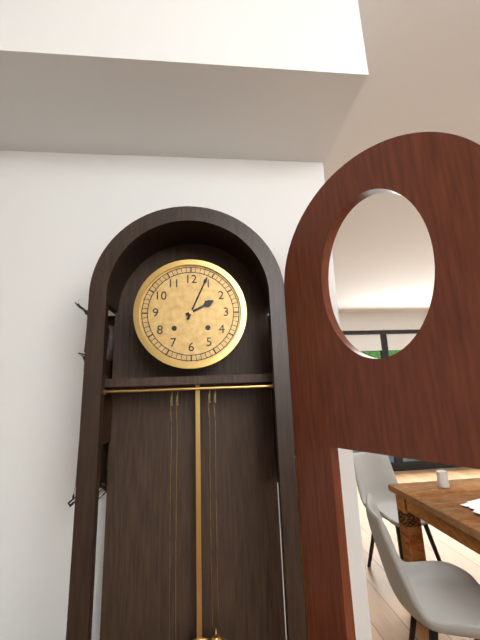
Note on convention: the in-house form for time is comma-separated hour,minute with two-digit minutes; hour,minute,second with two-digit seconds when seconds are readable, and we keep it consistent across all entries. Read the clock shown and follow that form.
2,04
